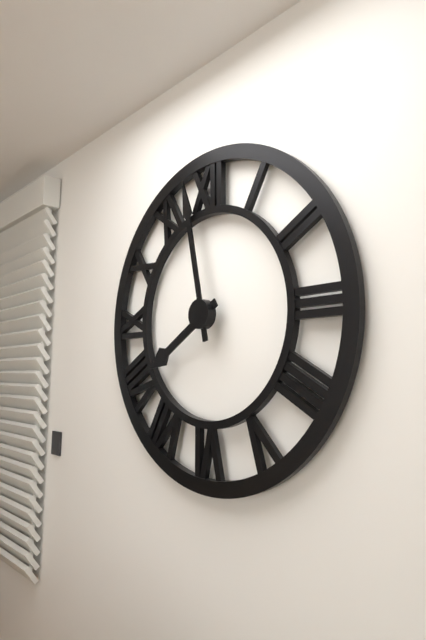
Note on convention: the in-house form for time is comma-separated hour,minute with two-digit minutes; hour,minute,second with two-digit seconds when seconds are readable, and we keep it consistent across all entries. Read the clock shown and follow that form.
7,58
